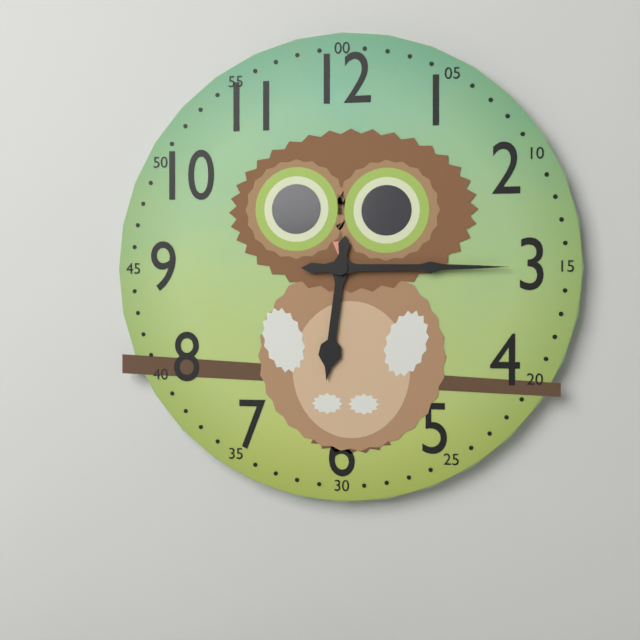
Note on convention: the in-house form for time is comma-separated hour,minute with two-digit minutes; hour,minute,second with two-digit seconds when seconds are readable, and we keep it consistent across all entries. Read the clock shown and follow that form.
6,15
